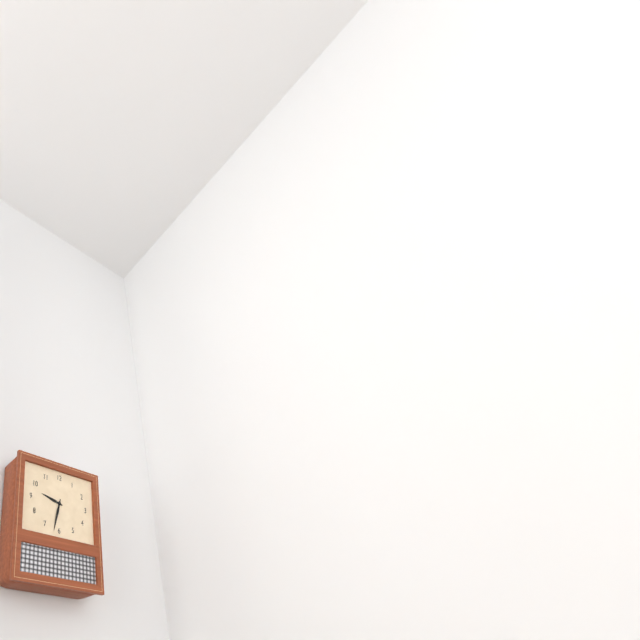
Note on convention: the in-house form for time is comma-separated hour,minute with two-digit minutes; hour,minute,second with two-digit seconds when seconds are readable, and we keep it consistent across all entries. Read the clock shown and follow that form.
9,32
